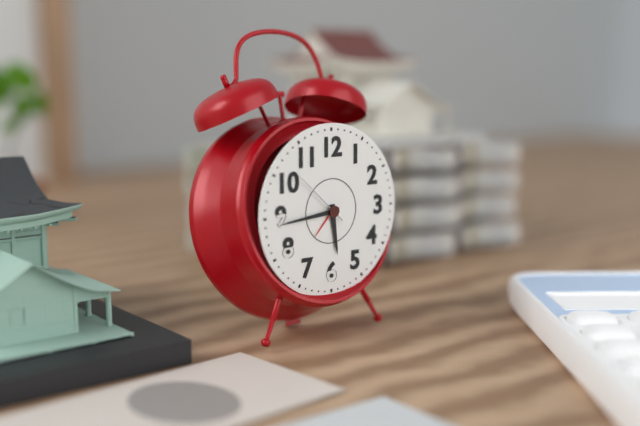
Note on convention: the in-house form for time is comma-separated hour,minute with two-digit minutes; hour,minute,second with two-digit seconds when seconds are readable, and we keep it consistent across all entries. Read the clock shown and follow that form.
5,44,52
